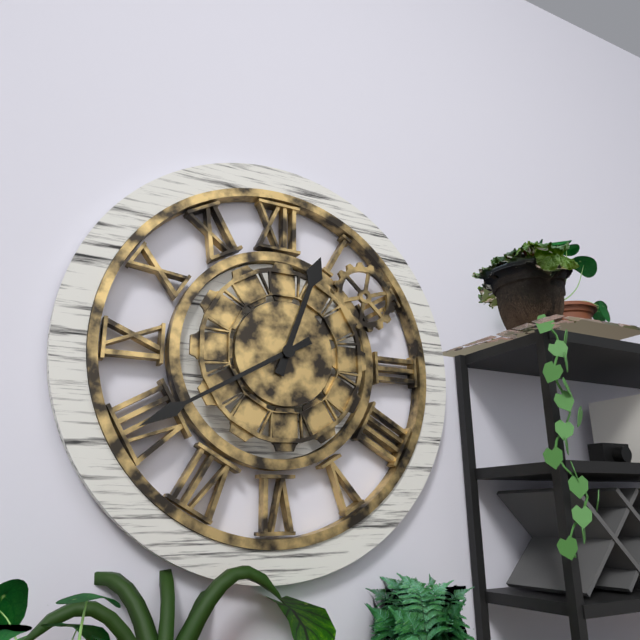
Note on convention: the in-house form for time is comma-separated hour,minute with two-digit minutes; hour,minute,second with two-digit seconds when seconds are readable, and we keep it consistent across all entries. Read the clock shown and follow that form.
12,40
